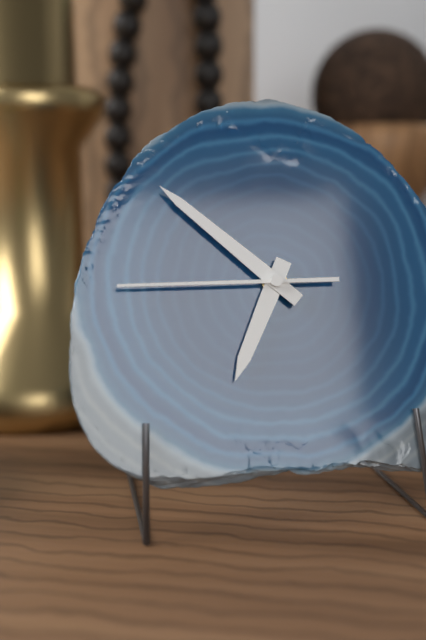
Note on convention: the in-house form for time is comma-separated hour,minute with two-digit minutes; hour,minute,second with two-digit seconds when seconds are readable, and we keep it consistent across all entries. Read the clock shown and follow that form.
6,52,45
